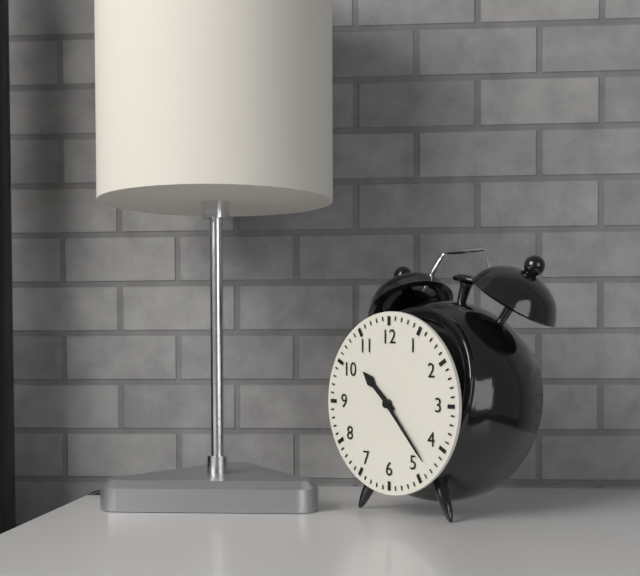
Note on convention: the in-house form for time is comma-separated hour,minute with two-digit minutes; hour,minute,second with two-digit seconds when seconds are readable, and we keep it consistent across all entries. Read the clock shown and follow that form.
10,23
